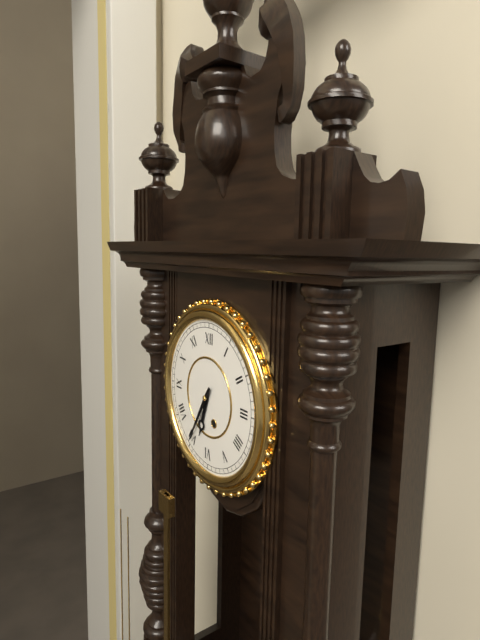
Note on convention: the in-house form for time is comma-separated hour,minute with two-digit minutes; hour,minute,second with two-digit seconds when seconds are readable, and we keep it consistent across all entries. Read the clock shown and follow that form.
6,35
